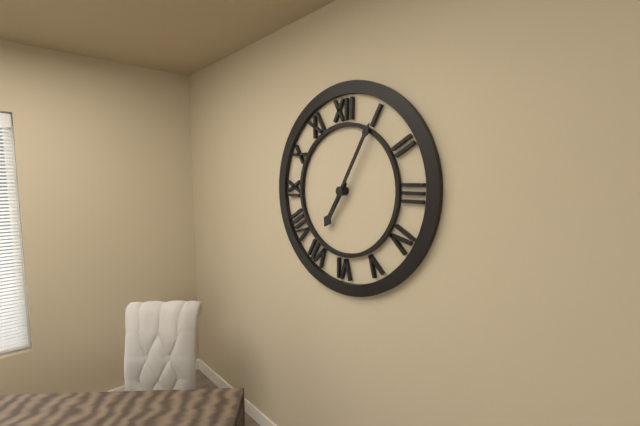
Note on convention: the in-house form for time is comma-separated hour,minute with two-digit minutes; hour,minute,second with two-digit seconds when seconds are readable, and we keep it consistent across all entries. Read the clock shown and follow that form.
7,05
